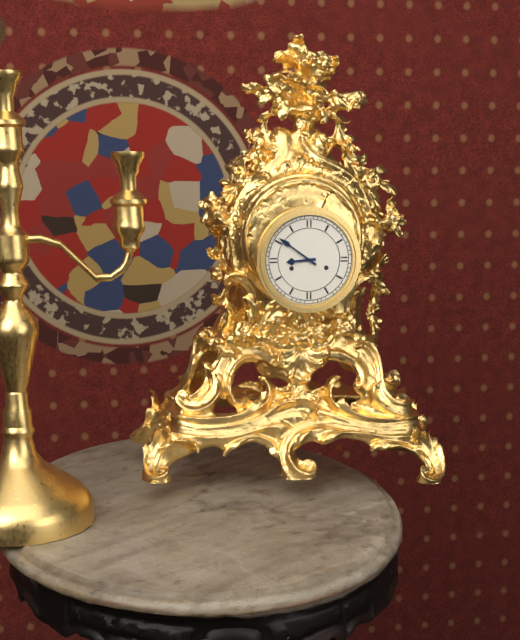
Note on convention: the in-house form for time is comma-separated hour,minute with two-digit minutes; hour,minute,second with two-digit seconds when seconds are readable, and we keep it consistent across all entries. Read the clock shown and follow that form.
8,51
